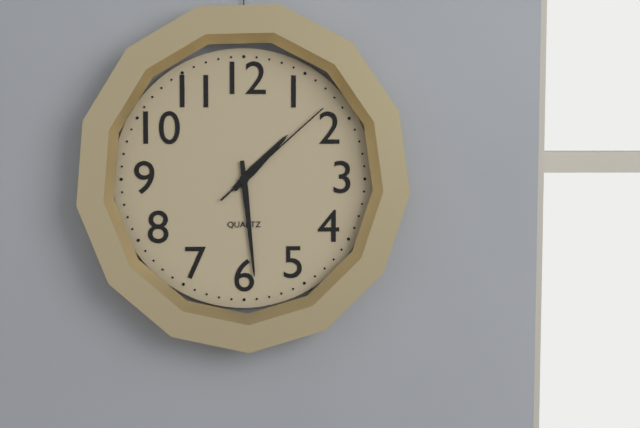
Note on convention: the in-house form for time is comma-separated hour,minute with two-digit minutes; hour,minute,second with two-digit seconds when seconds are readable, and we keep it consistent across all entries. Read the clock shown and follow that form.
1,29,08
